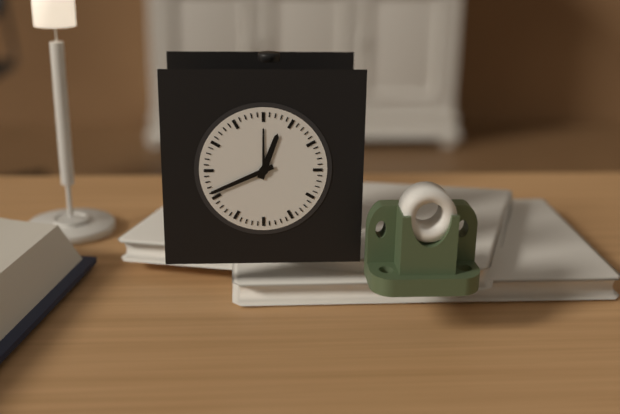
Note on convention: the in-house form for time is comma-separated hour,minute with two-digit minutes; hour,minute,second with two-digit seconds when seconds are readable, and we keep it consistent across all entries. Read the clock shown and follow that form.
12,41
